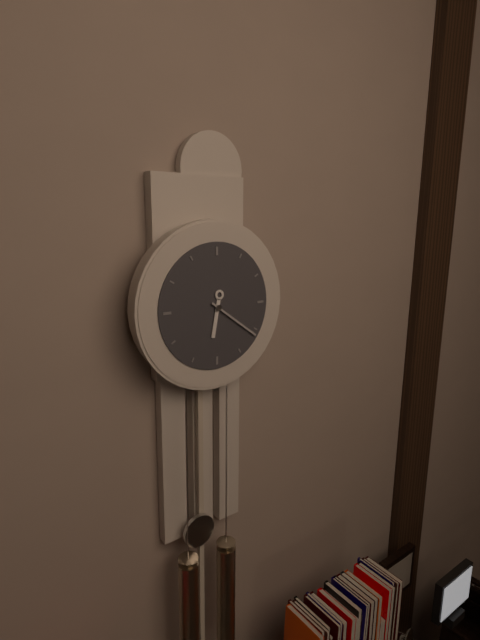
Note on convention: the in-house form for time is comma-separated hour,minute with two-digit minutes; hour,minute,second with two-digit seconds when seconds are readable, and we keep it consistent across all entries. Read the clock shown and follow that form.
6,21
